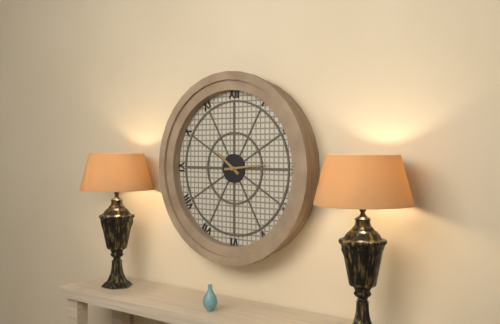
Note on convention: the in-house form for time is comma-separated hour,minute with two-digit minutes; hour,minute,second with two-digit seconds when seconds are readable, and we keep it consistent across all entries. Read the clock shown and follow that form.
10,14
